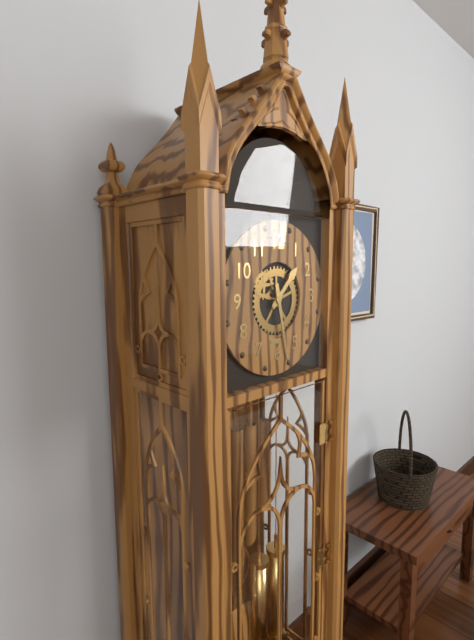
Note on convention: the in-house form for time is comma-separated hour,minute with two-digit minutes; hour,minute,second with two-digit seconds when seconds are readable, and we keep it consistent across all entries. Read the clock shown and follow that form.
1,28
